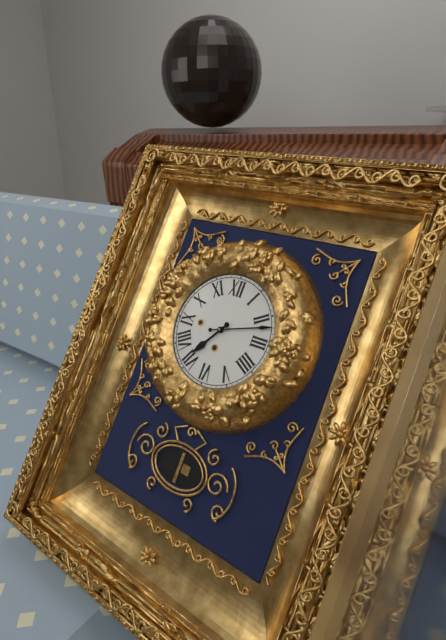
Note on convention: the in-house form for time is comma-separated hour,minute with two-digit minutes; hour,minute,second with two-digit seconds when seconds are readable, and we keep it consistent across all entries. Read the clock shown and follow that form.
7,12
